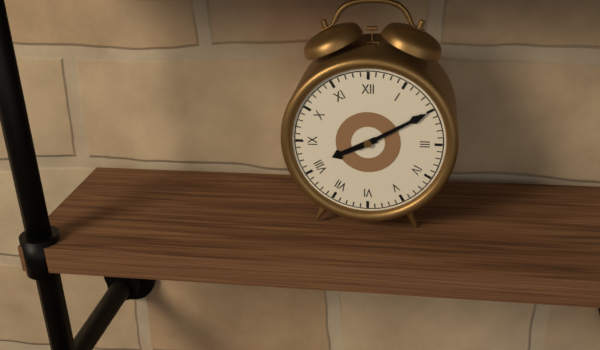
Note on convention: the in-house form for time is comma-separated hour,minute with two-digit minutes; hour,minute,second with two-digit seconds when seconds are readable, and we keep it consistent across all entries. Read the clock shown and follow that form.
8,10
